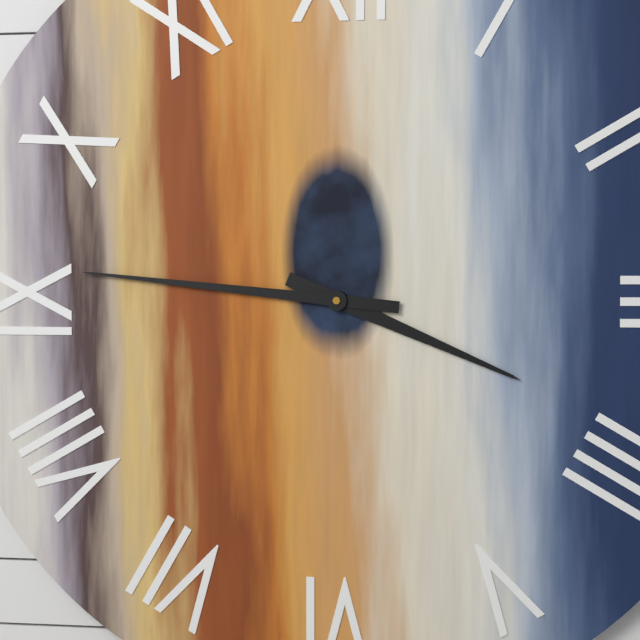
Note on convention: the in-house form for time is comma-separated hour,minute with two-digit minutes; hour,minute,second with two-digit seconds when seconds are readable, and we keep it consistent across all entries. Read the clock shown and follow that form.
3,46
